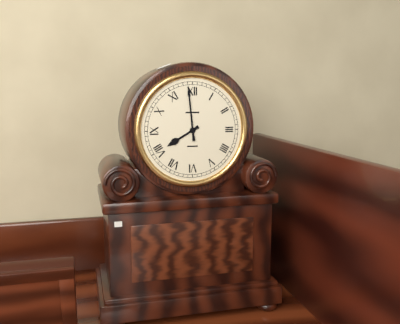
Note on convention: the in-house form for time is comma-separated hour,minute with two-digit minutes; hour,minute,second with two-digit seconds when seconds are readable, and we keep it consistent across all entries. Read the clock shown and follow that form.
7,59
